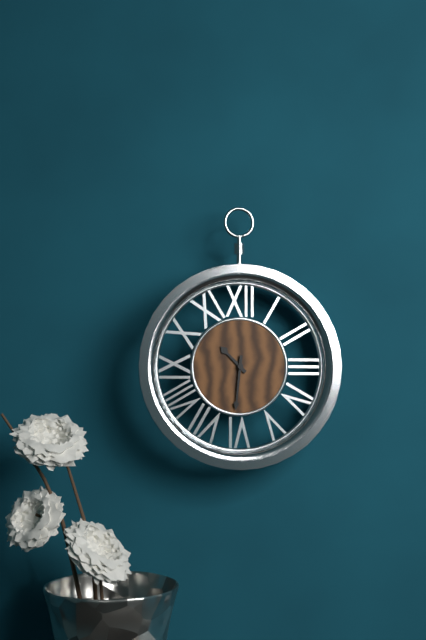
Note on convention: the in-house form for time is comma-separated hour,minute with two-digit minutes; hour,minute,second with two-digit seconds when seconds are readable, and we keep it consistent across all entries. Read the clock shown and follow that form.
10,31
